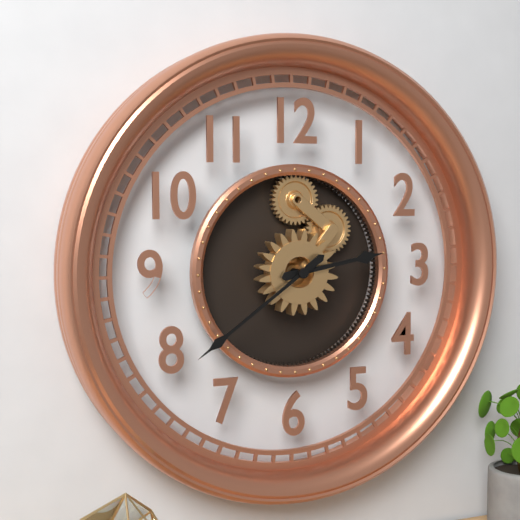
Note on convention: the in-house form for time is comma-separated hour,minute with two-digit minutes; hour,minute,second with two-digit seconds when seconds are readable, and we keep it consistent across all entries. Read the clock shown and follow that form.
2,39
